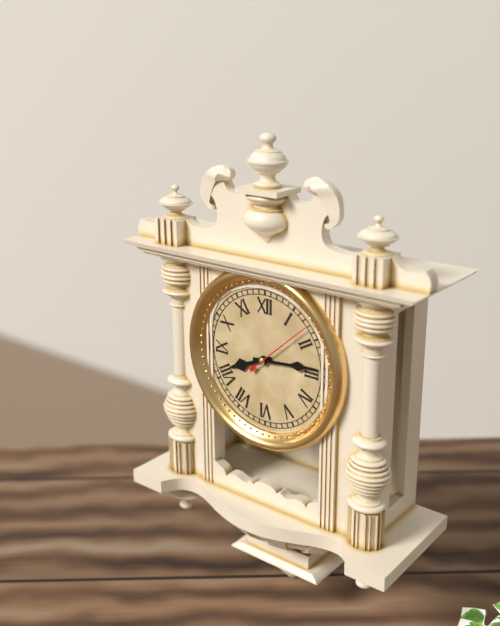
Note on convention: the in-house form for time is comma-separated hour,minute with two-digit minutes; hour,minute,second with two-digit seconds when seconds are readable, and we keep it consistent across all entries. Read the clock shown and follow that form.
8,14,08
